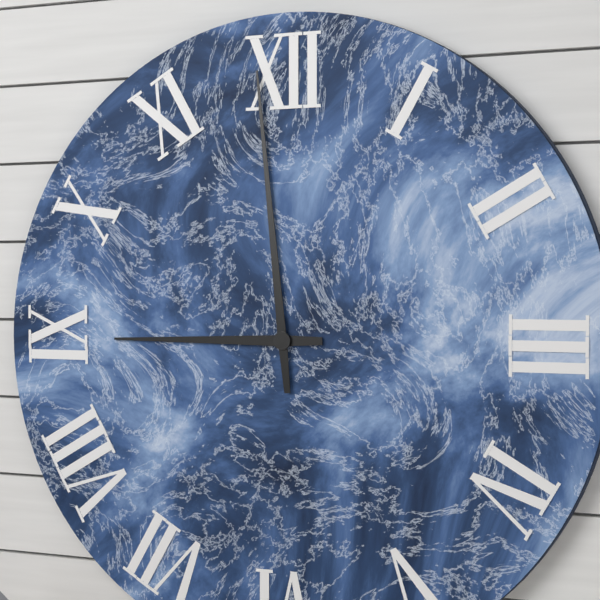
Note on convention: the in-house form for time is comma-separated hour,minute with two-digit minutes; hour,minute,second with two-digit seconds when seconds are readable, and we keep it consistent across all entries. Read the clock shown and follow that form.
8,59
